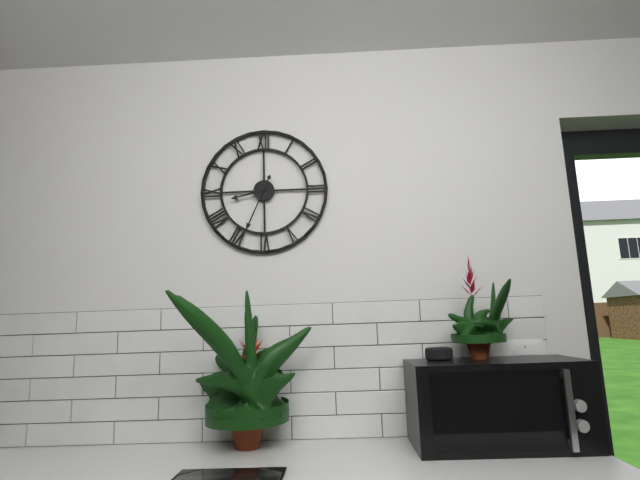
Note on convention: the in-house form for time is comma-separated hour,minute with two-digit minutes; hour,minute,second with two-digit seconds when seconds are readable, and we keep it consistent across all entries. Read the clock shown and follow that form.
8,34
